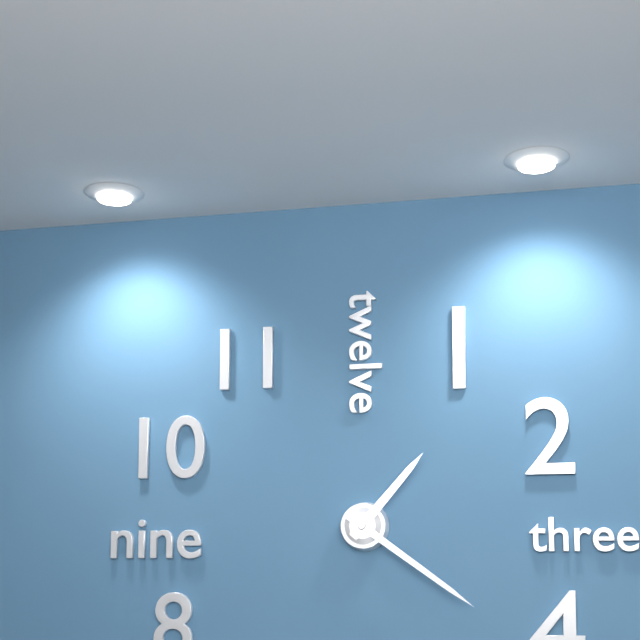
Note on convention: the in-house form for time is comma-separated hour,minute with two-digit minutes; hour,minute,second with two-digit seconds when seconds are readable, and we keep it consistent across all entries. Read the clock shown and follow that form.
1,21
